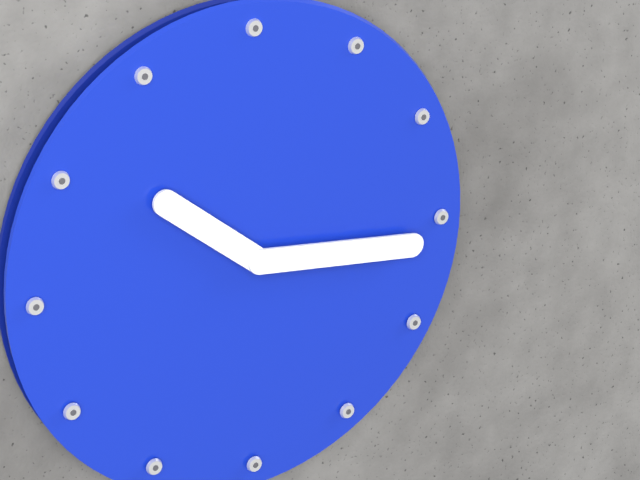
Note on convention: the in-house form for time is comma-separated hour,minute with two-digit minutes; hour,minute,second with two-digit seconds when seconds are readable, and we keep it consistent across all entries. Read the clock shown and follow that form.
10,16
